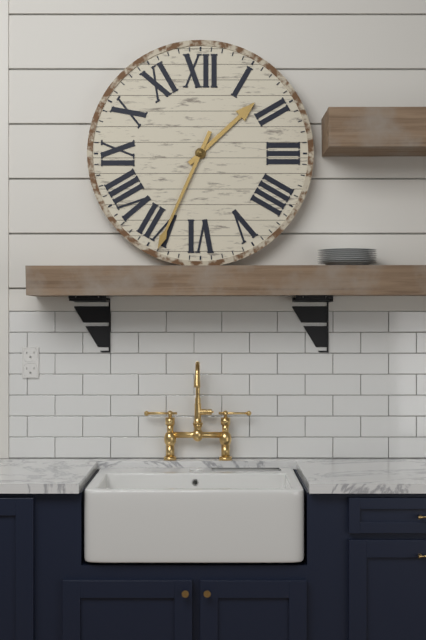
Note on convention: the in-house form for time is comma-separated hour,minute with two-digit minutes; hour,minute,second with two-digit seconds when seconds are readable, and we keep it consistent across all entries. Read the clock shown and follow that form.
1,34
